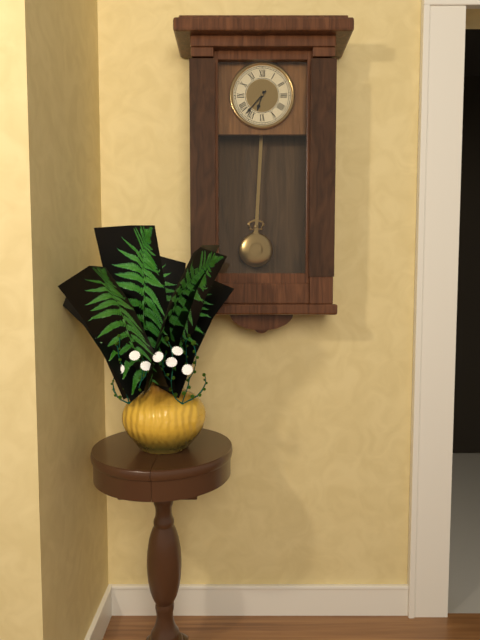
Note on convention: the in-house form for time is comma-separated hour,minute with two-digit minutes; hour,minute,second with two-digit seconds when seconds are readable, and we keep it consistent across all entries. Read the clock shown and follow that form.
6,37
